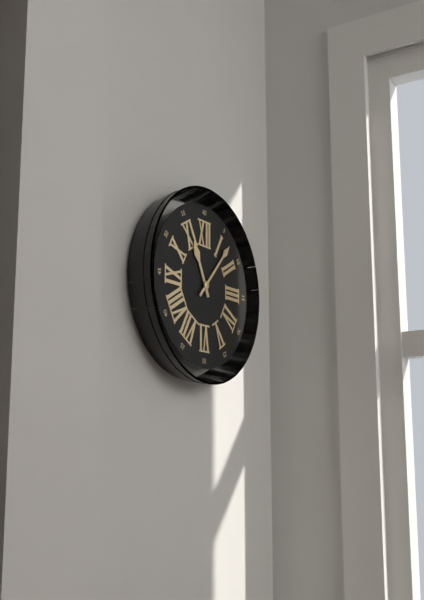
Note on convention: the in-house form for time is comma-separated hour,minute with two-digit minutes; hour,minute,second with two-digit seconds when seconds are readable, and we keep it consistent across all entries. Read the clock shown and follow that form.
11,07
